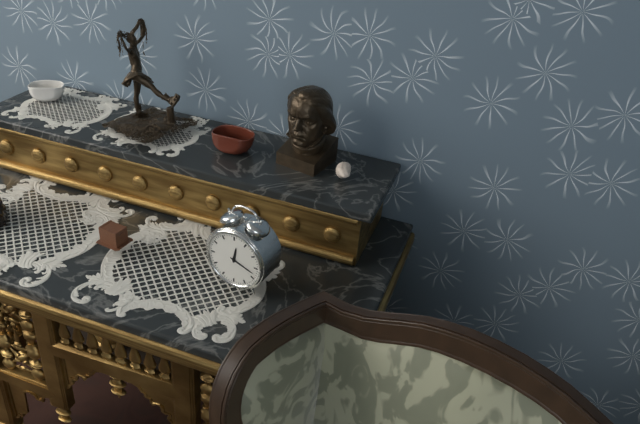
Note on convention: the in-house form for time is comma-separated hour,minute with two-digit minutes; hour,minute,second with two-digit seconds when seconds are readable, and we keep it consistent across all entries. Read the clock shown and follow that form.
12,18
